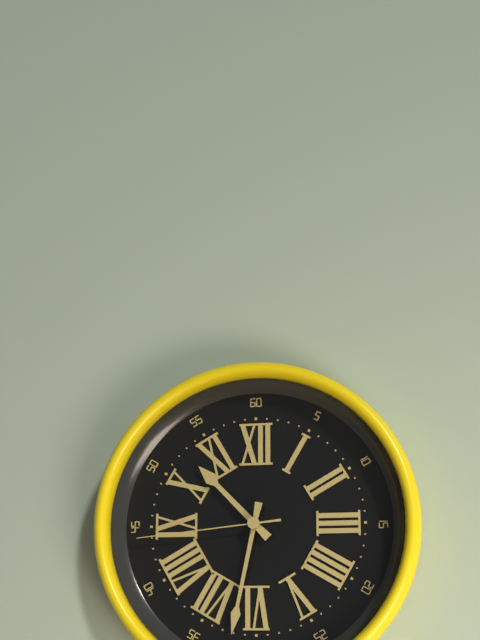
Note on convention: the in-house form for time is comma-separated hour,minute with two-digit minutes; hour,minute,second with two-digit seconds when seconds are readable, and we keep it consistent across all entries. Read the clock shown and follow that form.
10,32,44
